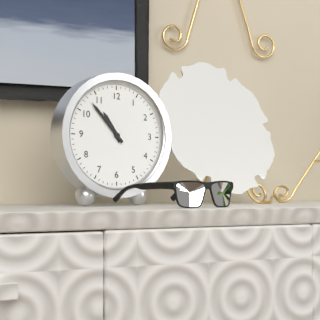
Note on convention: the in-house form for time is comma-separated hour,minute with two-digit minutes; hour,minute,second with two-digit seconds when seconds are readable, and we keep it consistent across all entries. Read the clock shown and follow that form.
10,53
